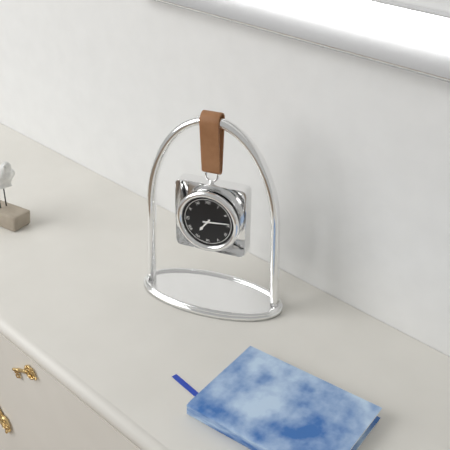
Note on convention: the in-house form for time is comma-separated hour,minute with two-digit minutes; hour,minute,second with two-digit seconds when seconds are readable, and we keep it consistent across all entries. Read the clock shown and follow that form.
7,14
